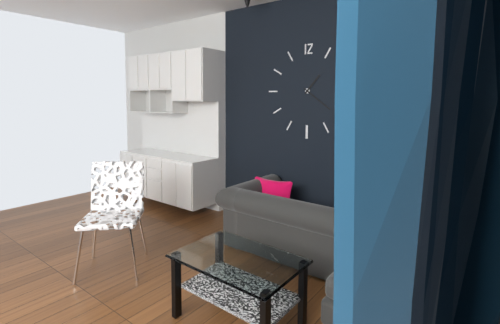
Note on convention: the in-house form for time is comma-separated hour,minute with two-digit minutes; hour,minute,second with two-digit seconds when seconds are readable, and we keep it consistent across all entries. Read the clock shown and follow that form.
1,21
